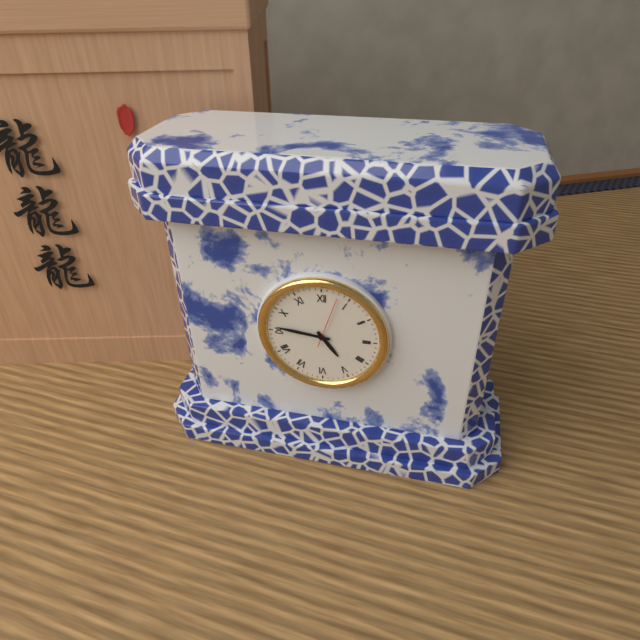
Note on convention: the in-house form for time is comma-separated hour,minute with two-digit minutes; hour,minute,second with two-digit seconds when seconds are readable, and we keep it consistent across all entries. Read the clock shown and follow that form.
4,46
